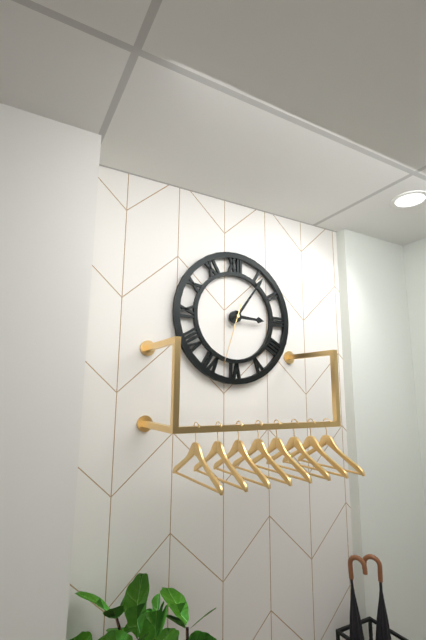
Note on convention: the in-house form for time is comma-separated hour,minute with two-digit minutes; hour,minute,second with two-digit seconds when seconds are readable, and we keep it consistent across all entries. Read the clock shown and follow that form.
3,06,33
